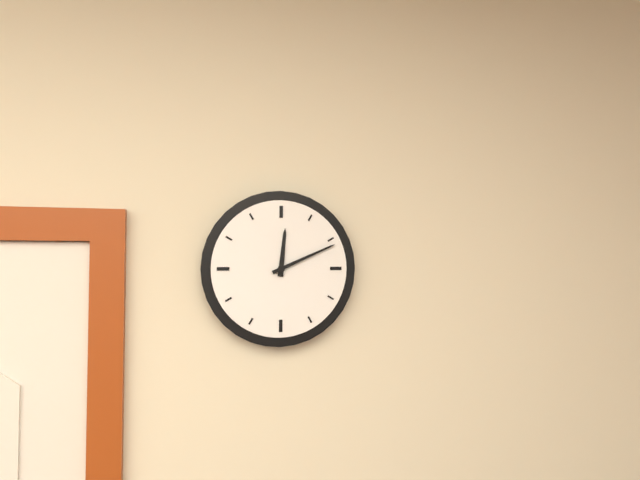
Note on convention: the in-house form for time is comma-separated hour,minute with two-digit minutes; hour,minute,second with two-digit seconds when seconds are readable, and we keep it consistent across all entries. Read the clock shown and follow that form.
12,11
